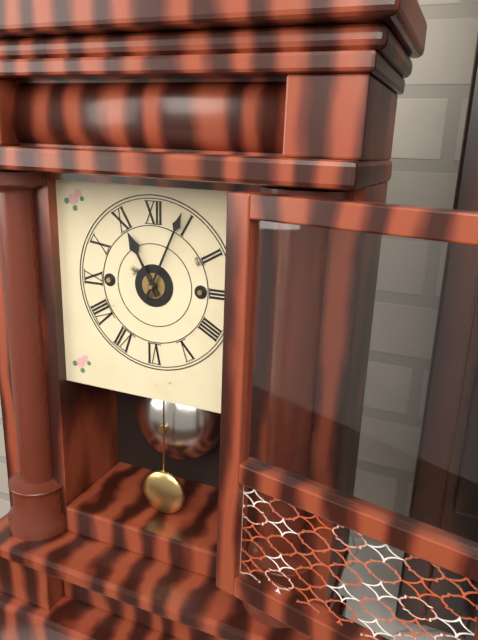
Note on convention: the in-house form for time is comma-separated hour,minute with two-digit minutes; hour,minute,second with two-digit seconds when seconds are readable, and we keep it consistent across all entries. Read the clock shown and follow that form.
11,04
